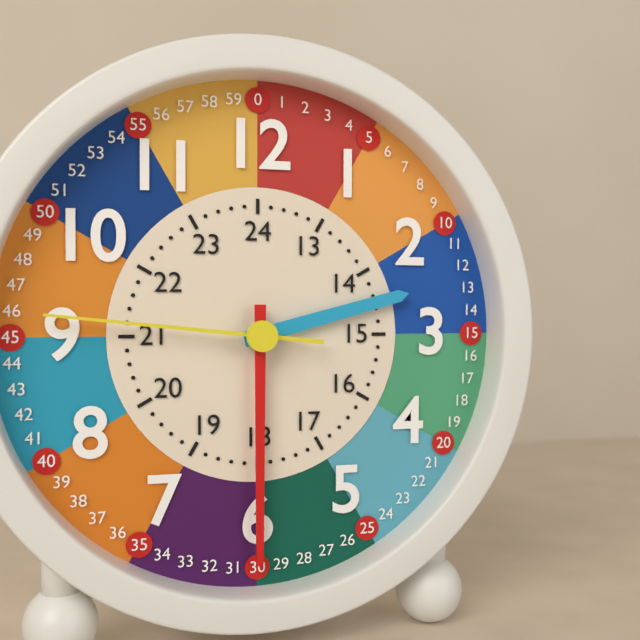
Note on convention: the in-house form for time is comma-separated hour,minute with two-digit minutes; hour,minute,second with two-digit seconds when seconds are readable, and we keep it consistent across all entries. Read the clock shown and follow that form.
2,30,46
